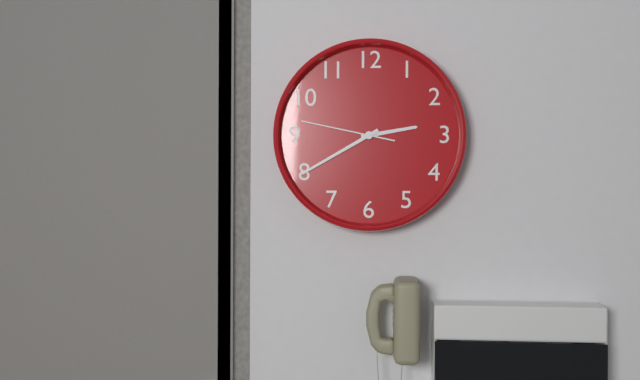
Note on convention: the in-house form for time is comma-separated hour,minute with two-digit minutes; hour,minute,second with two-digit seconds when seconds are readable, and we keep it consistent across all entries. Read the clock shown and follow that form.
2,40,47
